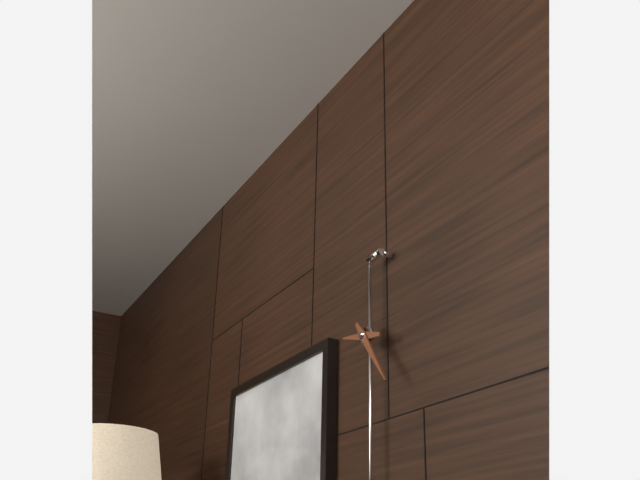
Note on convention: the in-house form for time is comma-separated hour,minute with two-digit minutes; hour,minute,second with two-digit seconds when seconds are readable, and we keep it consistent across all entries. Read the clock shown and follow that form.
9,24
